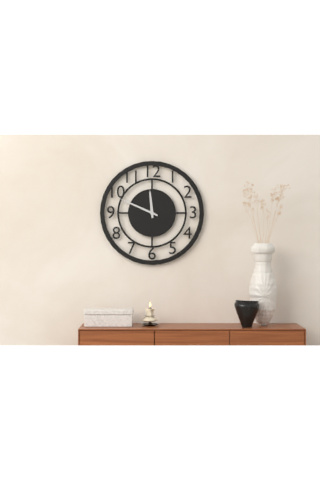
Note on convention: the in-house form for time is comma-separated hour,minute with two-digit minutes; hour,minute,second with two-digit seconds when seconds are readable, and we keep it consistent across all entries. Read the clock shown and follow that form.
11,49
